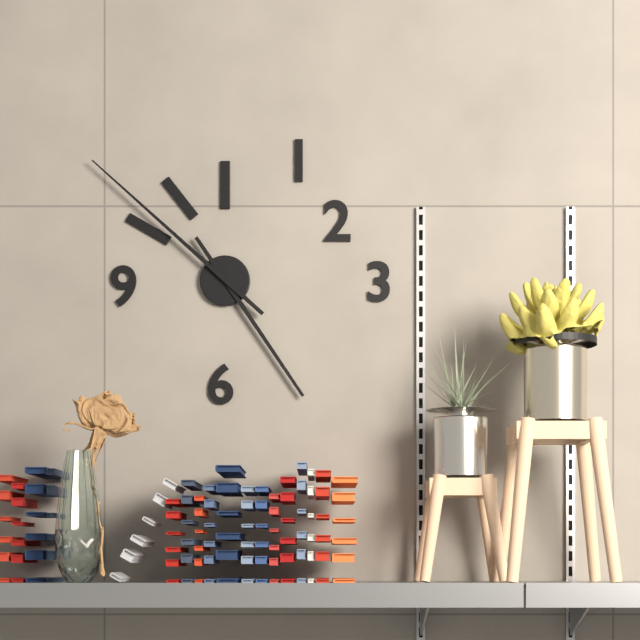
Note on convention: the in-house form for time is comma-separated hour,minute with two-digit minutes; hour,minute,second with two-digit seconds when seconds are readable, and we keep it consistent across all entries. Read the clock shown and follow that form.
4,52
